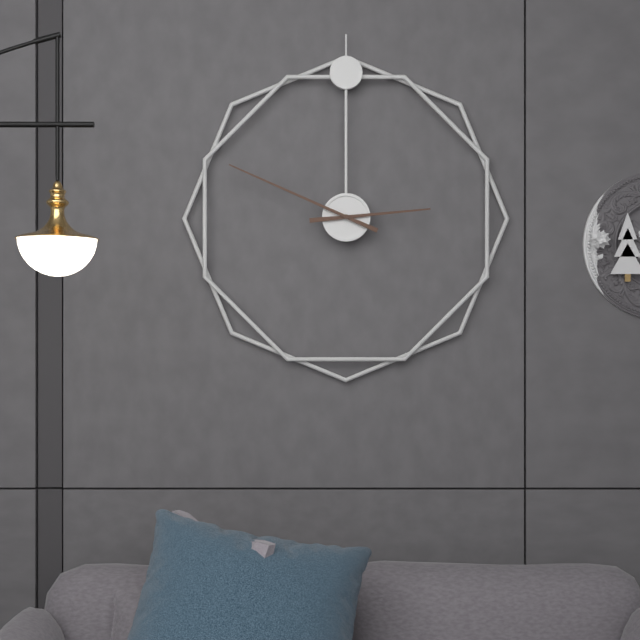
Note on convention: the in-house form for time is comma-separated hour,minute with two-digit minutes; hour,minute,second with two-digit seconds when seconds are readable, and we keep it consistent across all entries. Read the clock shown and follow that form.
2,49
